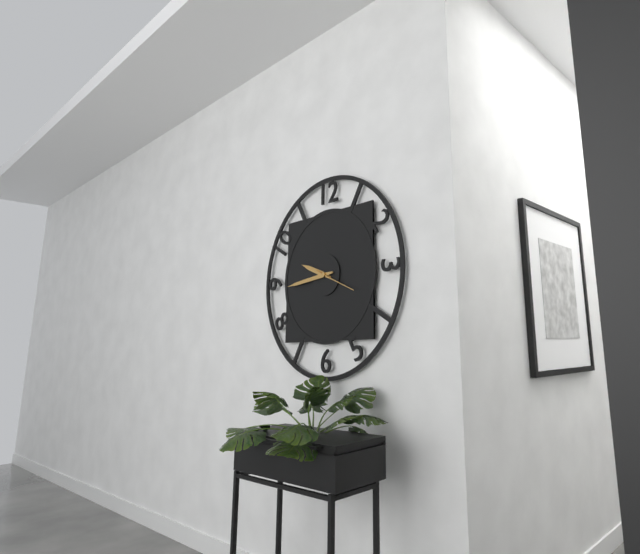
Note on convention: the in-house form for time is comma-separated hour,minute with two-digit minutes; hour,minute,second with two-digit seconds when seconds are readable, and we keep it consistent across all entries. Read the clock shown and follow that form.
9,44
